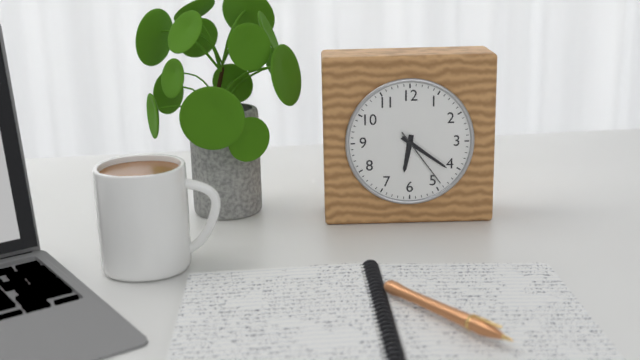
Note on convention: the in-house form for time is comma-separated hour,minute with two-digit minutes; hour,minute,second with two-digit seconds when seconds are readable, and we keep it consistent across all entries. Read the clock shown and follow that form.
6,21,24
